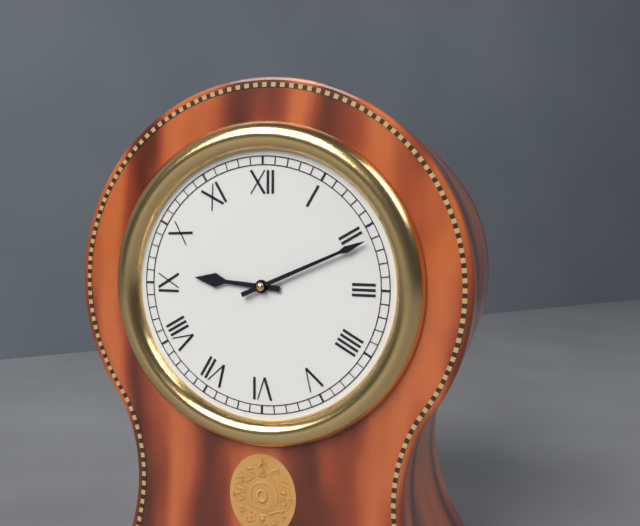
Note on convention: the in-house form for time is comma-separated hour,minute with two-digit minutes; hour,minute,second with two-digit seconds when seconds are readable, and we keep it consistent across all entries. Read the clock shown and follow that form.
9,11
